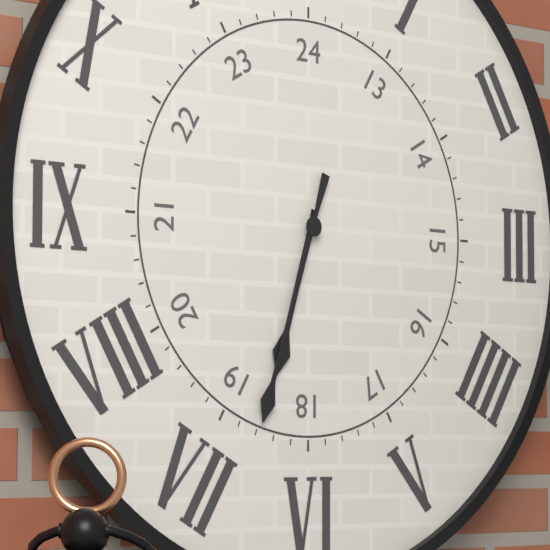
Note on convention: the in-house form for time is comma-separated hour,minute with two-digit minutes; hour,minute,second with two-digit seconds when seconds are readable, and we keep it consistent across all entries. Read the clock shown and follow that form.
6,33
